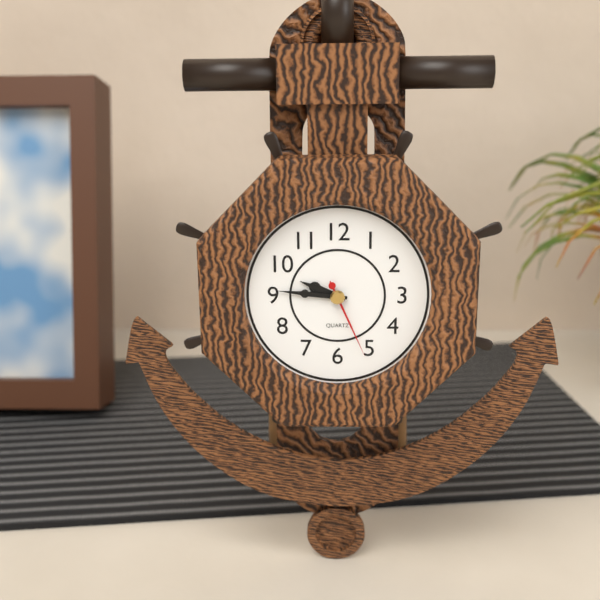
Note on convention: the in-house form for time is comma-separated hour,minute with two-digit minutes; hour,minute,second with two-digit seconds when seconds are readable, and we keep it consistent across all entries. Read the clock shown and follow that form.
9,46,26
